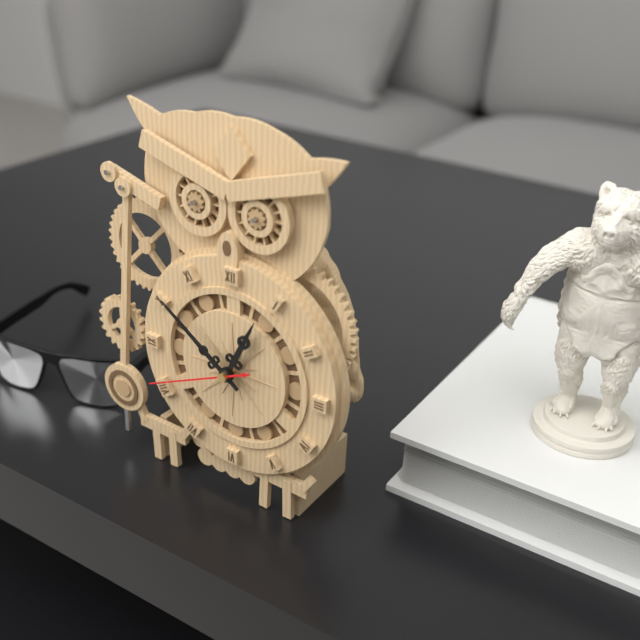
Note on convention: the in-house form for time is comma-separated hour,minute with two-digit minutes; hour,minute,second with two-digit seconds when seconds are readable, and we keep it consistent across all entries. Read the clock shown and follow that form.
12,51,41
